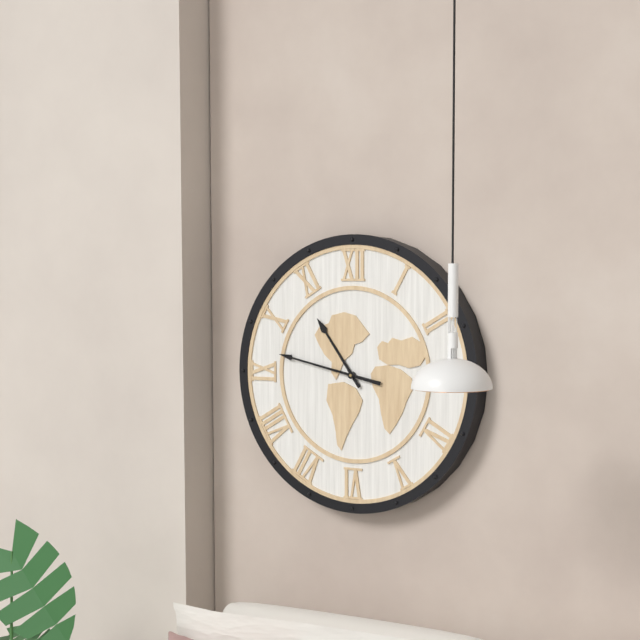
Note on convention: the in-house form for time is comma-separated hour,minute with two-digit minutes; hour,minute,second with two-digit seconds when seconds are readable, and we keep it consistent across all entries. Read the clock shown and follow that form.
10,47
